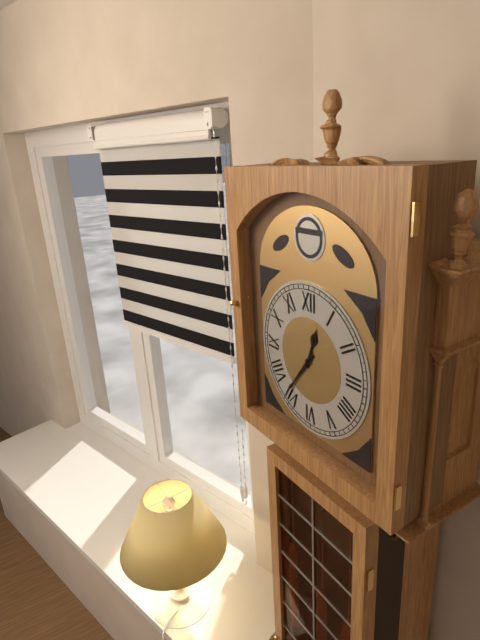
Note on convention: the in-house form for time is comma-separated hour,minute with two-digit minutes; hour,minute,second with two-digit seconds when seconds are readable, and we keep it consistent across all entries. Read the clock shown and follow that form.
12,36
